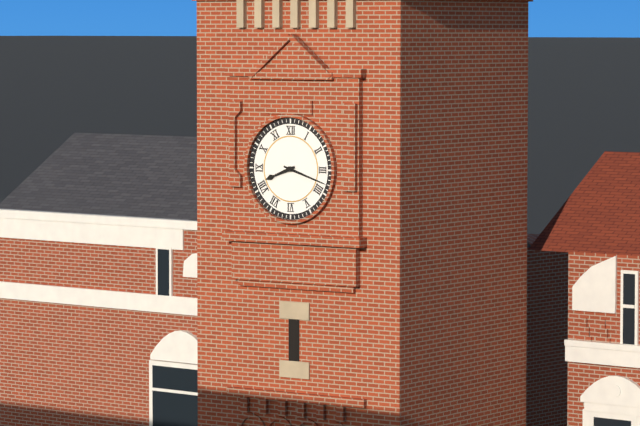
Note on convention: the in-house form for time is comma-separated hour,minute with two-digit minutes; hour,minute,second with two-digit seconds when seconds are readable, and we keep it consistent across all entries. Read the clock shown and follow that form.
8,18
